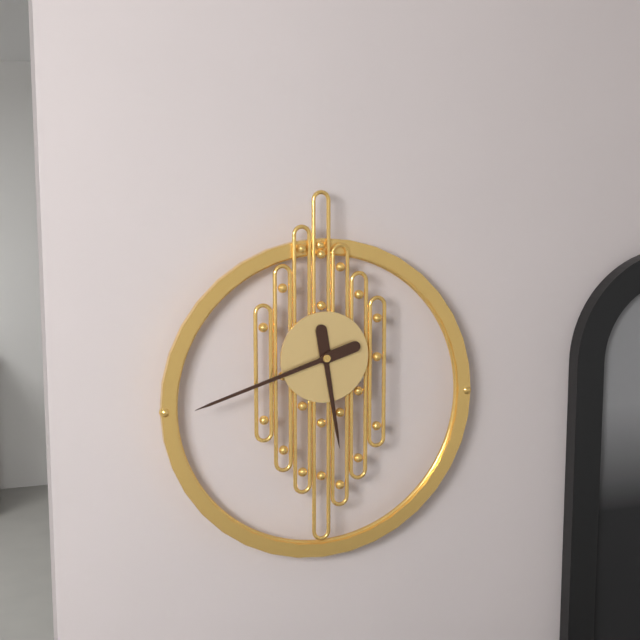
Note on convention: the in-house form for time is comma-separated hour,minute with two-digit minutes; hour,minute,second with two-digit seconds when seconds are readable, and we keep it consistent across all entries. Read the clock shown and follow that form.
5,42
